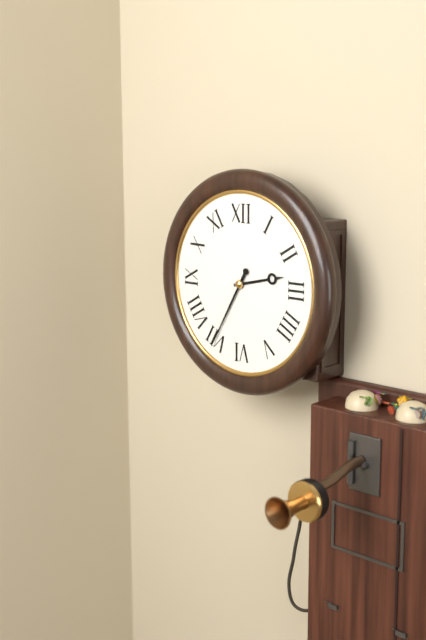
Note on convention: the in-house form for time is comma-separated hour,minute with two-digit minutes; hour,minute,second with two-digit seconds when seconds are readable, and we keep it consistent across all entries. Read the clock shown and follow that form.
2,35
